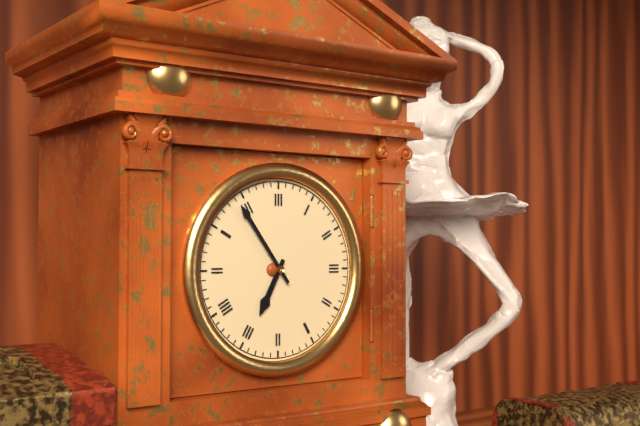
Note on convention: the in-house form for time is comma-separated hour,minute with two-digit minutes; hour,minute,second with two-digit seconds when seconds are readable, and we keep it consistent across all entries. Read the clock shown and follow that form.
6,54
